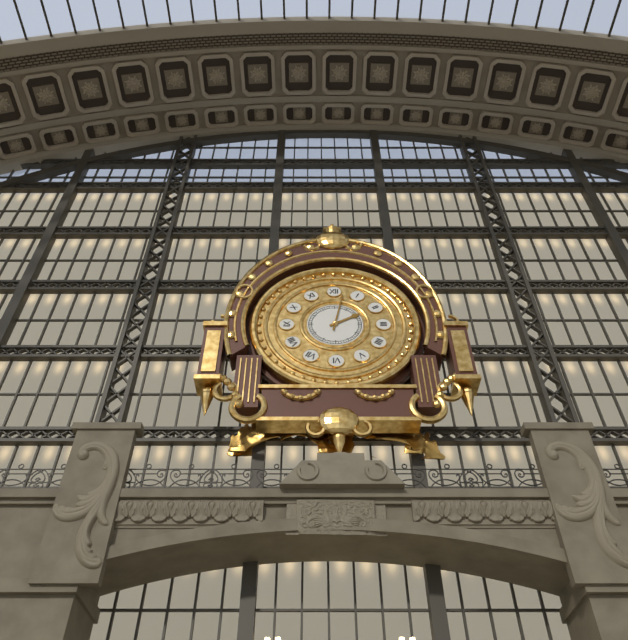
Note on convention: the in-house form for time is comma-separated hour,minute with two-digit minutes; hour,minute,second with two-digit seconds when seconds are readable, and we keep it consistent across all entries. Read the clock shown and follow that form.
2,02
